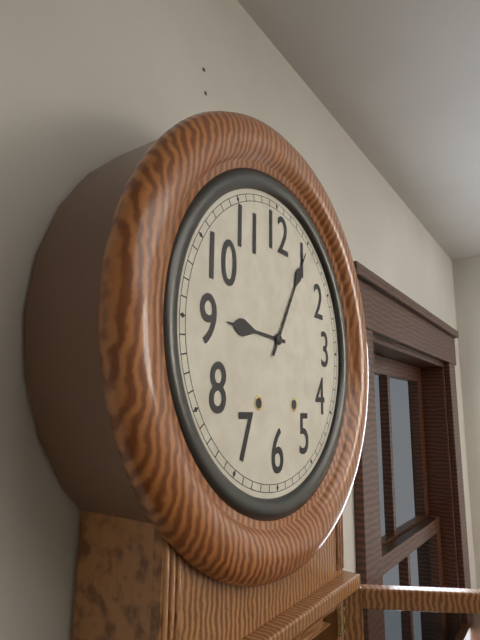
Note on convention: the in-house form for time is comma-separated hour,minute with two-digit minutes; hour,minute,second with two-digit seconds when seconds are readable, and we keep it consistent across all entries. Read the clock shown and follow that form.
9,05
